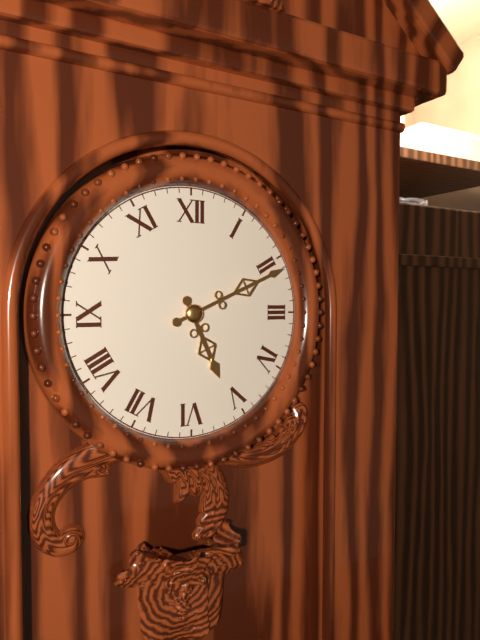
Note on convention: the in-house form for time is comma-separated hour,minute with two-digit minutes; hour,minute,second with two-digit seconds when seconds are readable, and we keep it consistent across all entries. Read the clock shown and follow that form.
5,11
